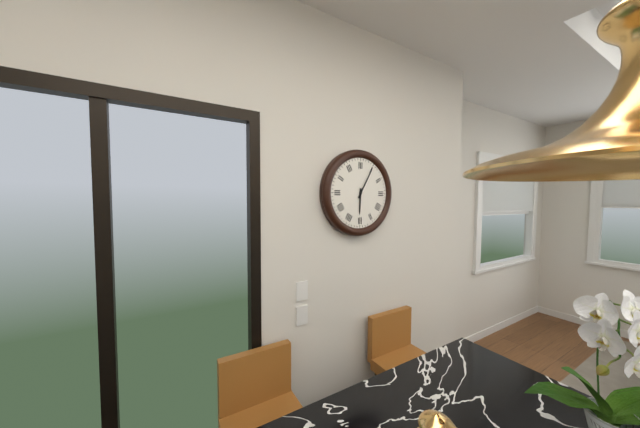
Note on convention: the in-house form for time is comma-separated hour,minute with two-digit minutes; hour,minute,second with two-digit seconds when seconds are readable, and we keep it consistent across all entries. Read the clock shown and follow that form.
6,05
